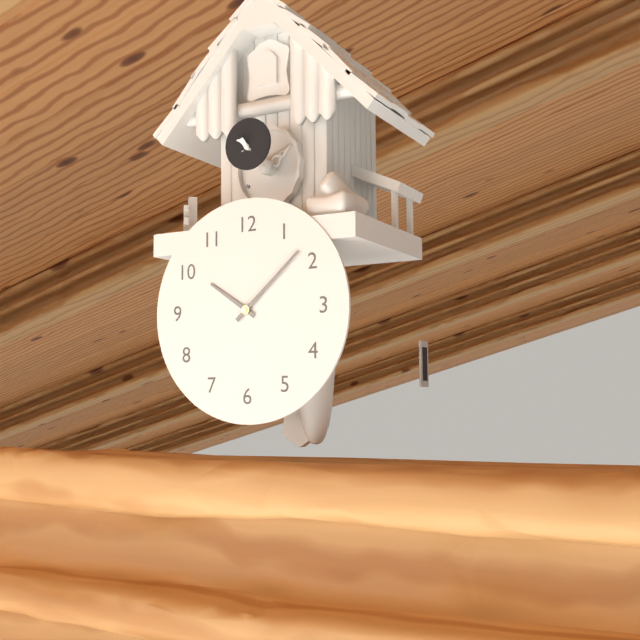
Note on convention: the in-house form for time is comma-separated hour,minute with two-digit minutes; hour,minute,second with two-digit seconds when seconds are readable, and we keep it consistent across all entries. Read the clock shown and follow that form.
10,08
